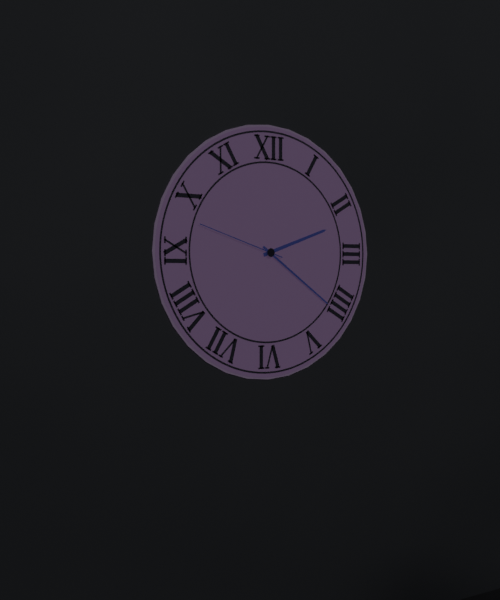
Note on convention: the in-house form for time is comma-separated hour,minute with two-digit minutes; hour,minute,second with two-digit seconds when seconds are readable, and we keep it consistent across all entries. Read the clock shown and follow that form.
2,21,48
